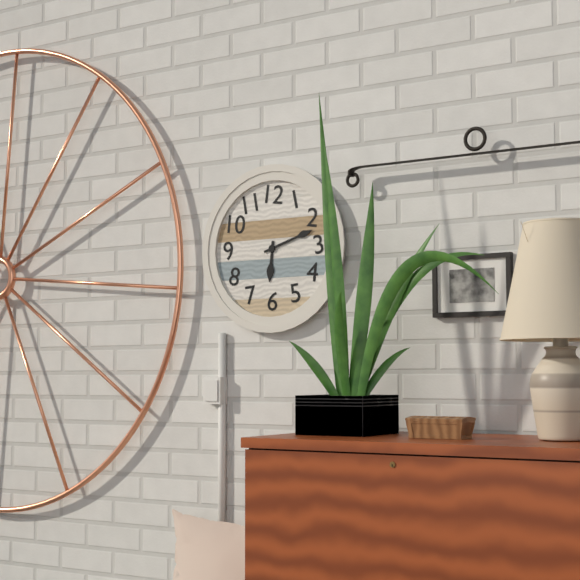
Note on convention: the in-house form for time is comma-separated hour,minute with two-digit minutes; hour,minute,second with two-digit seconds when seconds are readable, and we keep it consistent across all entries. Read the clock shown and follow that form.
6,12
